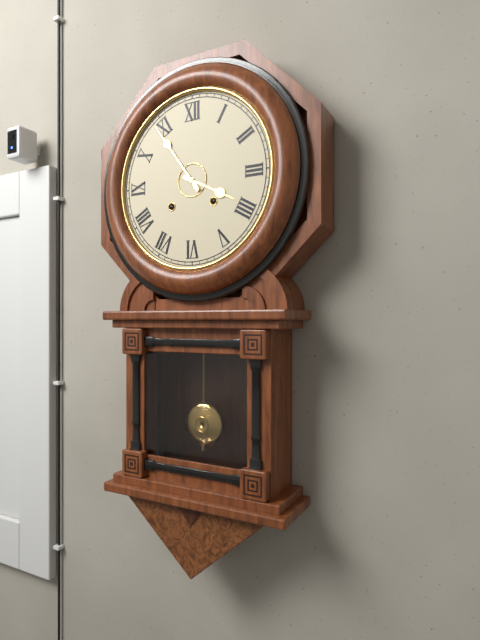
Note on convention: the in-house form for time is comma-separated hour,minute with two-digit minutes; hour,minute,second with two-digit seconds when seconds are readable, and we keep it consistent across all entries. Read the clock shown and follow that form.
3,54
